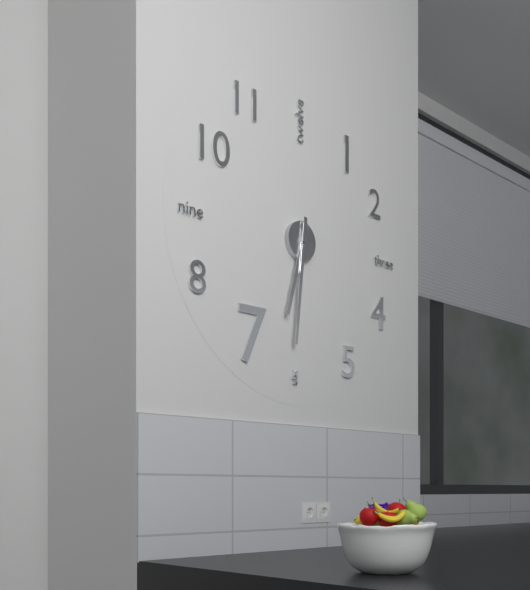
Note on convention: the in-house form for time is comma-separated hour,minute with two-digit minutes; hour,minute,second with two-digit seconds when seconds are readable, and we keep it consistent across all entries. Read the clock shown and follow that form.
6,31
